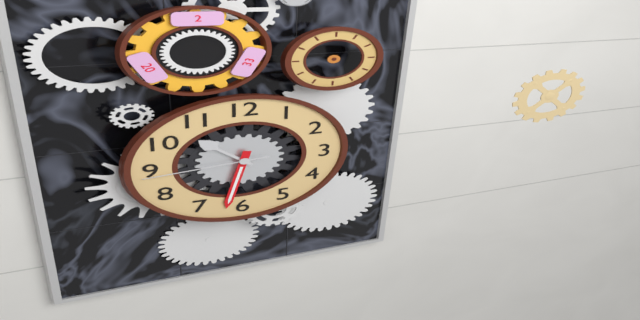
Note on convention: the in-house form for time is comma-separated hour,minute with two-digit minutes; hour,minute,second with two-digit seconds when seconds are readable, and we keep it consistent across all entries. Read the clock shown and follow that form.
10,32,44
